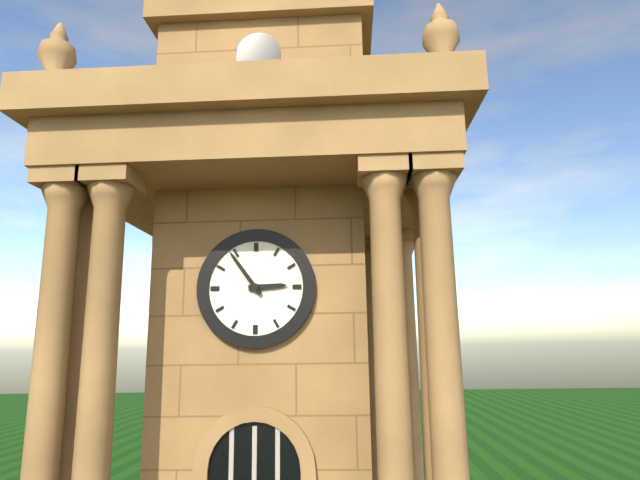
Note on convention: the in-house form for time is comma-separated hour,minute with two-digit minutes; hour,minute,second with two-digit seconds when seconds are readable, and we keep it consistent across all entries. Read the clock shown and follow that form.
2,54
